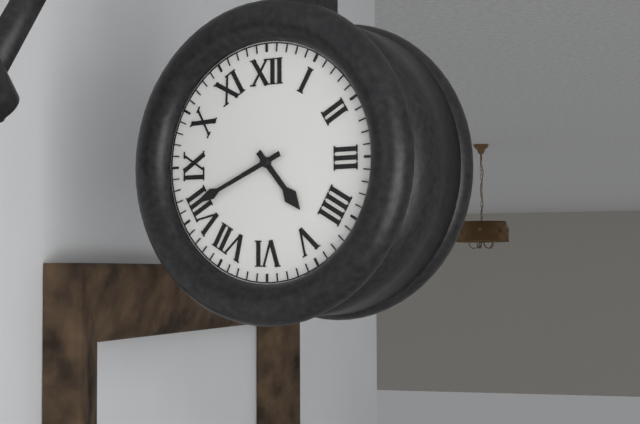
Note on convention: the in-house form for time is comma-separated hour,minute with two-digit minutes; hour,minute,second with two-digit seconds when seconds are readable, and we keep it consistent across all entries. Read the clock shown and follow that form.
4,41
